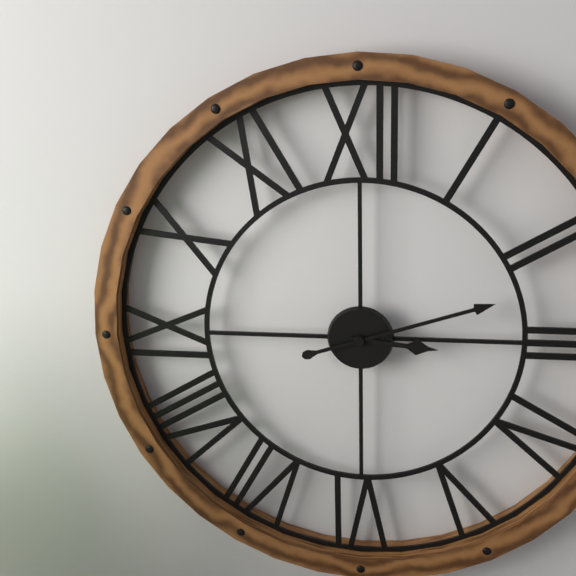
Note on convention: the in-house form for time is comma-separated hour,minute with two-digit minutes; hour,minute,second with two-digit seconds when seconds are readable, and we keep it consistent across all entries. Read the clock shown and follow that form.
3,12
